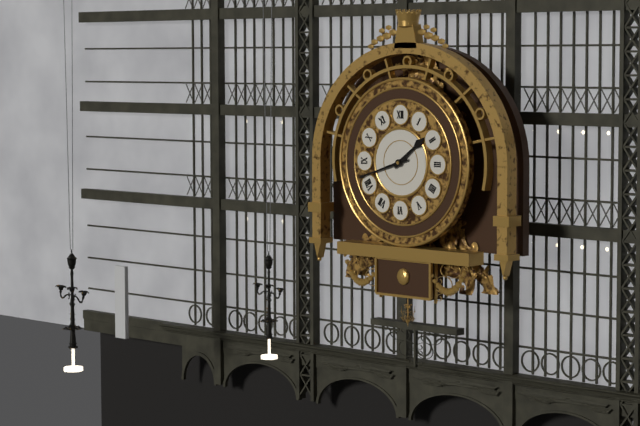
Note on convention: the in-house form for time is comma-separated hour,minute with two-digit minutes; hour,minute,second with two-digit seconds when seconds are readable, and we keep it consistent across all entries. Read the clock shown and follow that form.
1,42
